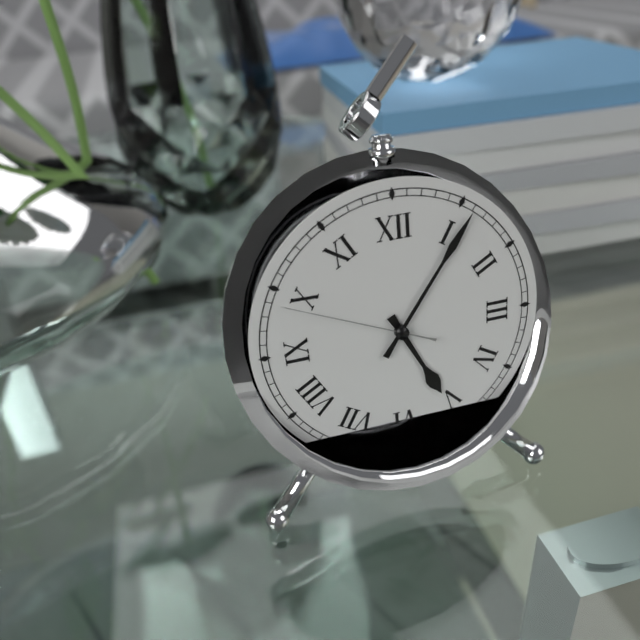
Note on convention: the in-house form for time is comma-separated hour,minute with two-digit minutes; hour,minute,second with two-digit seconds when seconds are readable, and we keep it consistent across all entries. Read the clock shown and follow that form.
5,06,49
